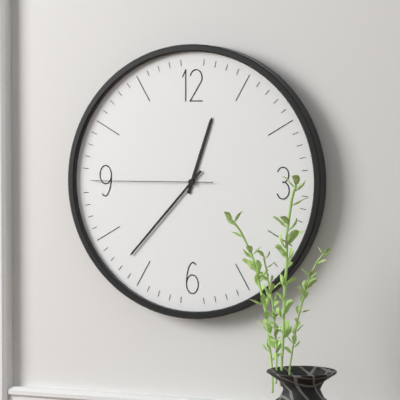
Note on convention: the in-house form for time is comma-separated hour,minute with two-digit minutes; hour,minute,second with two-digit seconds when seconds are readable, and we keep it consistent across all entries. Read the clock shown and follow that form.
12,37,45
